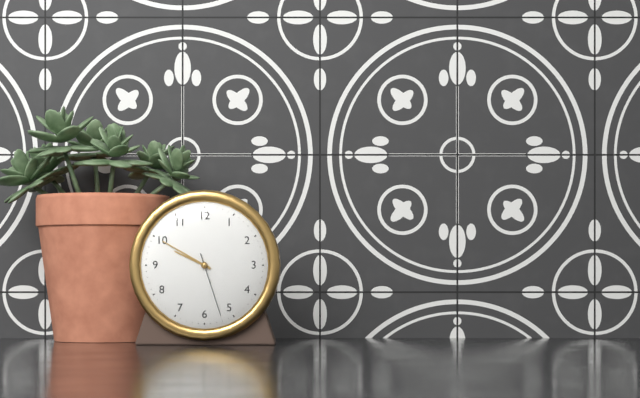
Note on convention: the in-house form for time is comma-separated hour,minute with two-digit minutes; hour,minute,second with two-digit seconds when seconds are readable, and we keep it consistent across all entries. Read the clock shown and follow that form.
9,50,27
